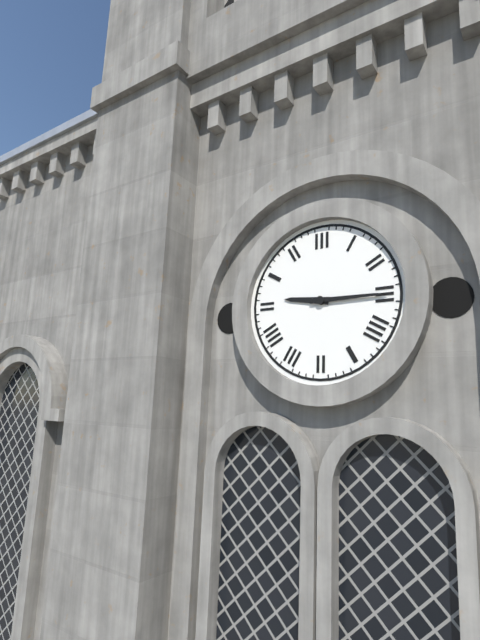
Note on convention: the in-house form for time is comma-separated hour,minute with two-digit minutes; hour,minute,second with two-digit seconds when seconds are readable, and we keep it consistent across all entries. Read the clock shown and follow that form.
9,15
